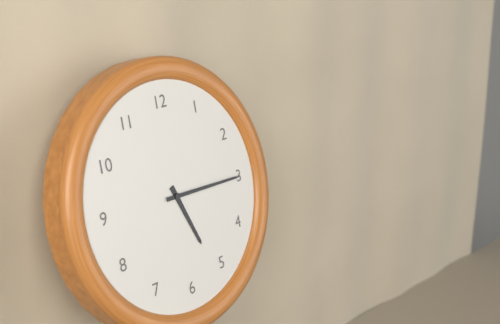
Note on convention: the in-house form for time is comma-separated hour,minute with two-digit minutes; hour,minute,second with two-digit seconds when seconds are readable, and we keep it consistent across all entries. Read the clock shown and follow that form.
5,15
